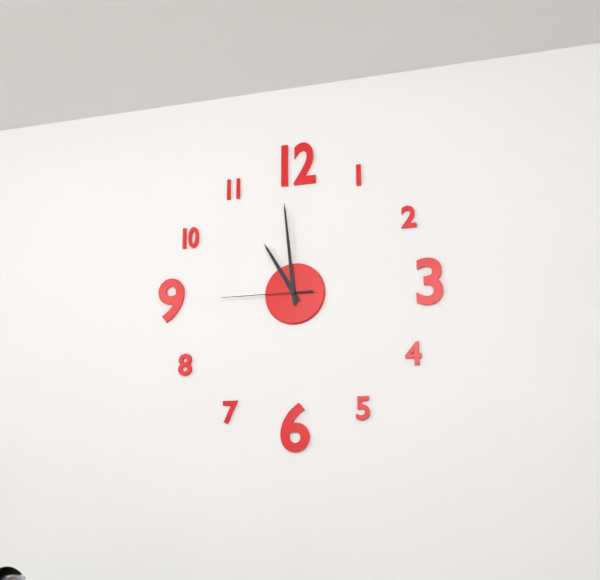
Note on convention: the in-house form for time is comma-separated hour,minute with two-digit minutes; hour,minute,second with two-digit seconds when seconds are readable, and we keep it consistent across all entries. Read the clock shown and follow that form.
10,59,45
